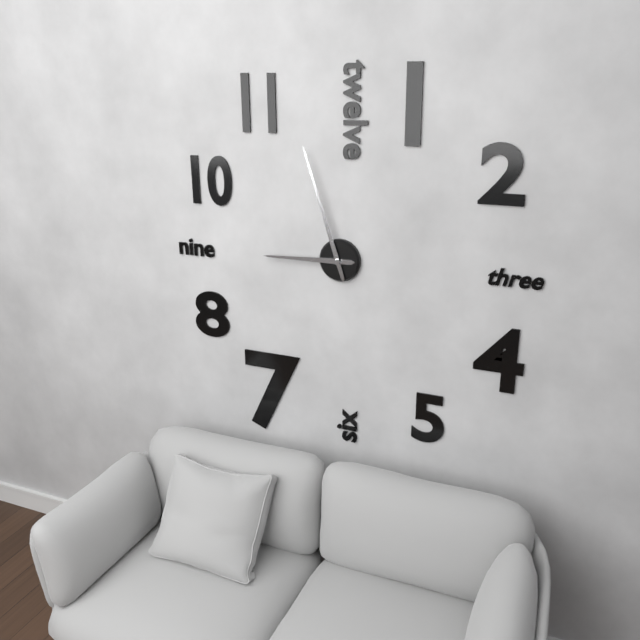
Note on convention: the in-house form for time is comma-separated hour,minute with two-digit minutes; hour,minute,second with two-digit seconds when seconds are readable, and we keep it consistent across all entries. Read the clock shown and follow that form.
8,57
